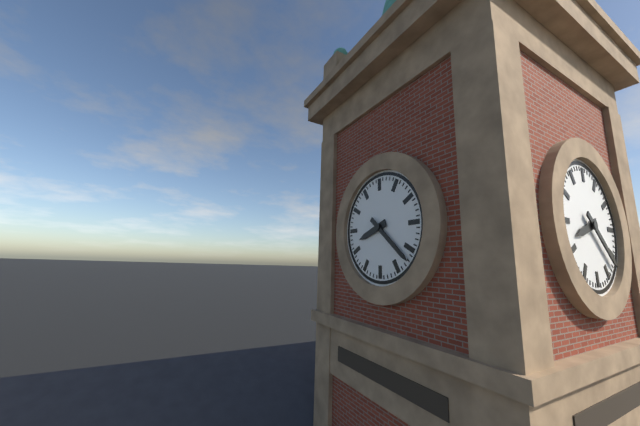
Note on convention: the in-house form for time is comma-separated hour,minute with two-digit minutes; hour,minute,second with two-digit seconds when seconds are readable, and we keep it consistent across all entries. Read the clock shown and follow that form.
8,22
